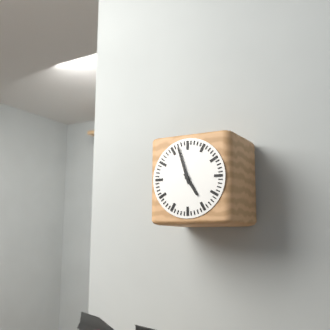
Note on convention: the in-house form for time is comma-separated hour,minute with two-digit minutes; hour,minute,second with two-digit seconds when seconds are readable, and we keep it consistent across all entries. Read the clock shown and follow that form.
4,57
